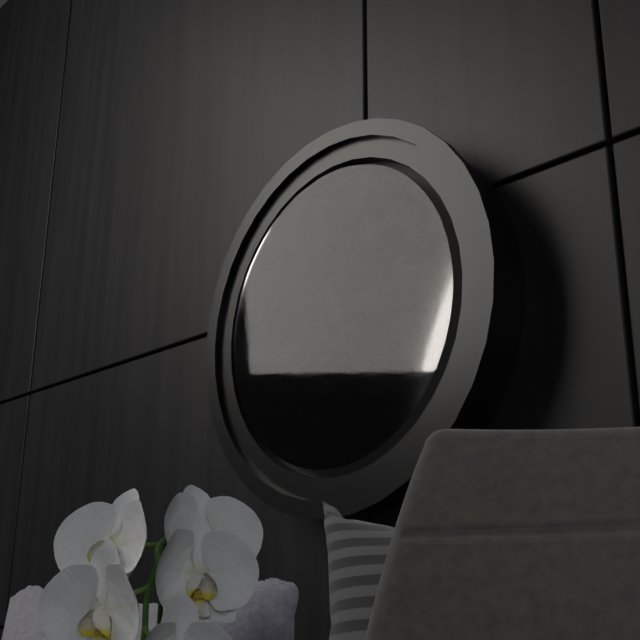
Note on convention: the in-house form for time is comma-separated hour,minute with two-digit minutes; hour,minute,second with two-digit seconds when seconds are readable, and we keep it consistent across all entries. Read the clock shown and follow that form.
9,25
